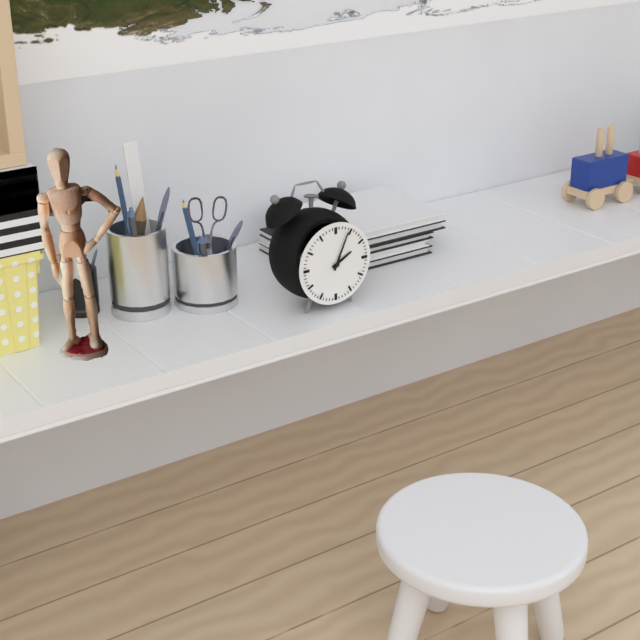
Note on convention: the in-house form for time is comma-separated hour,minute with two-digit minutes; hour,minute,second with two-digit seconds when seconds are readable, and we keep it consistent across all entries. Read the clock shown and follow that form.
2,04
